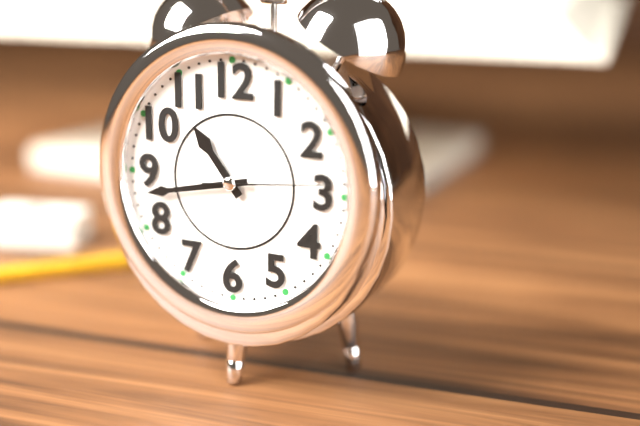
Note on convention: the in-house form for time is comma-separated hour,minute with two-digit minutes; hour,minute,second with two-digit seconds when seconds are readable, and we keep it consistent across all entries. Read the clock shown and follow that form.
10,43,14
